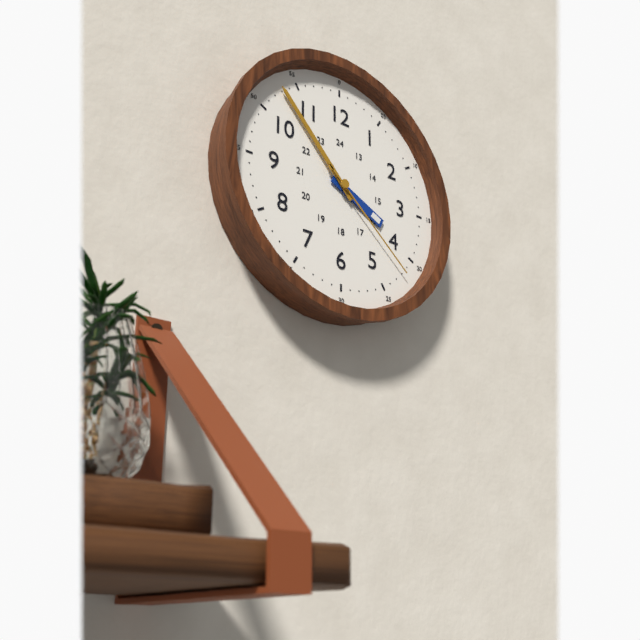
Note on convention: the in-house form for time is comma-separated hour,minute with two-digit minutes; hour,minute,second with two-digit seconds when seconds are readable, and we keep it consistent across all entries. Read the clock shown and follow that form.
3,53,22
